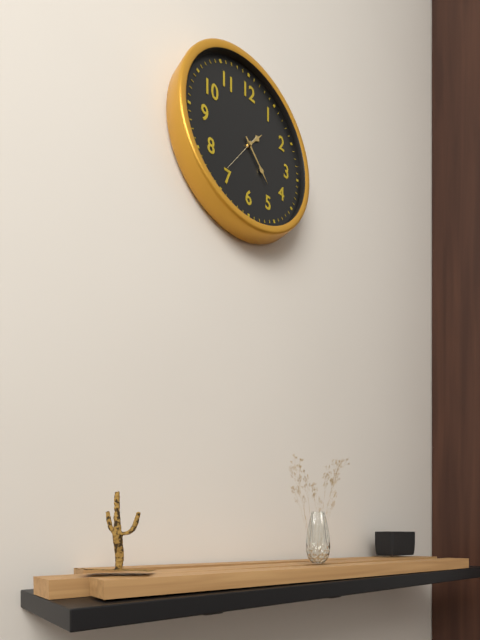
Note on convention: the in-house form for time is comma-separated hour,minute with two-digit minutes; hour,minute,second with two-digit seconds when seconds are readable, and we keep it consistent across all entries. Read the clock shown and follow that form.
1,23
